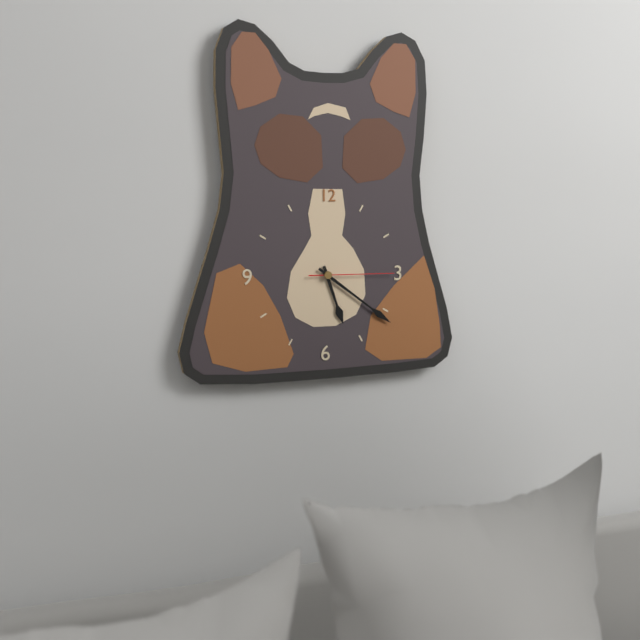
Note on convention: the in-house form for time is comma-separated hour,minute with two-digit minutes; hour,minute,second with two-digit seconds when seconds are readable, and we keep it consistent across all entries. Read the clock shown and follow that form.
5,21,15
